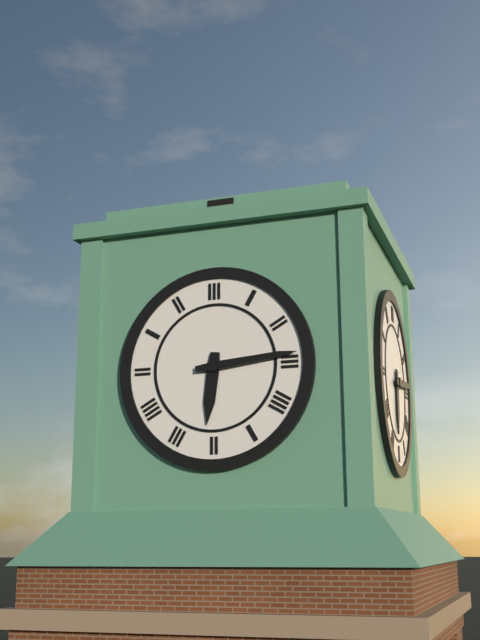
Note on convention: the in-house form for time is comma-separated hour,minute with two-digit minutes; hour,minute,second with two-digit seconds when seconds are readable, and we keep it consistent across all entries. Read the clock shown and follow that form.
6,14
